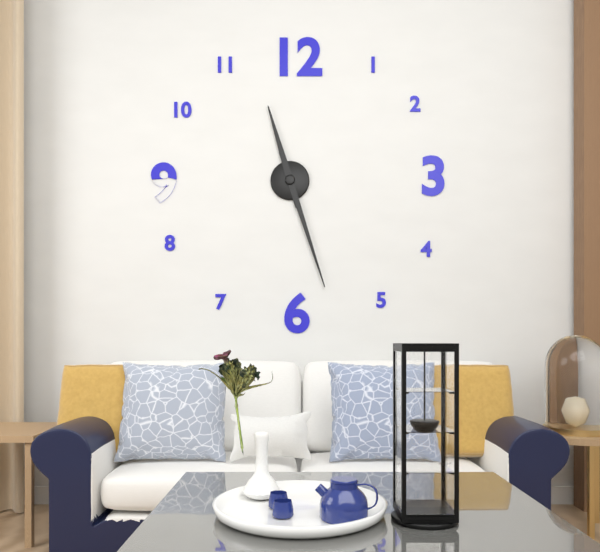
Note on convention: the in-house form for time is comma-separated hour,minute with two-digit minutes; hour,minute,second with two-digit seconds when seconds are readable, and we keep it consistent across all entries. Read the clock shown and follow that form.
11,27
